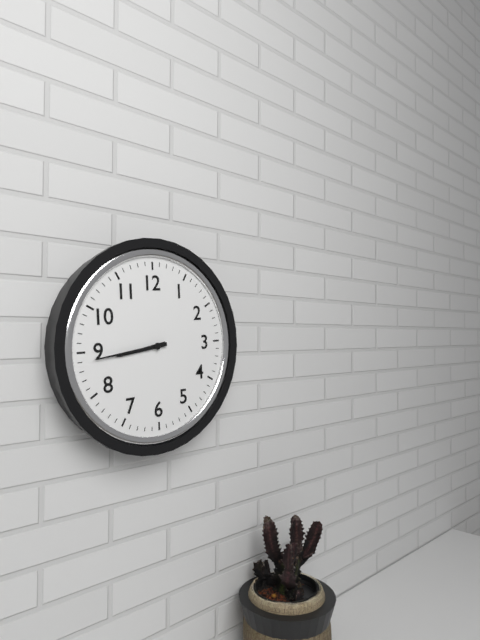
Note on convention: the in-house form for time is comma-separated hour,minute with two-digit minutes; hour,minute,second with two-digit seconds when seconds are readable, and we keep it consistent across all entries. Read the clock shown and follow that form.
8,44
